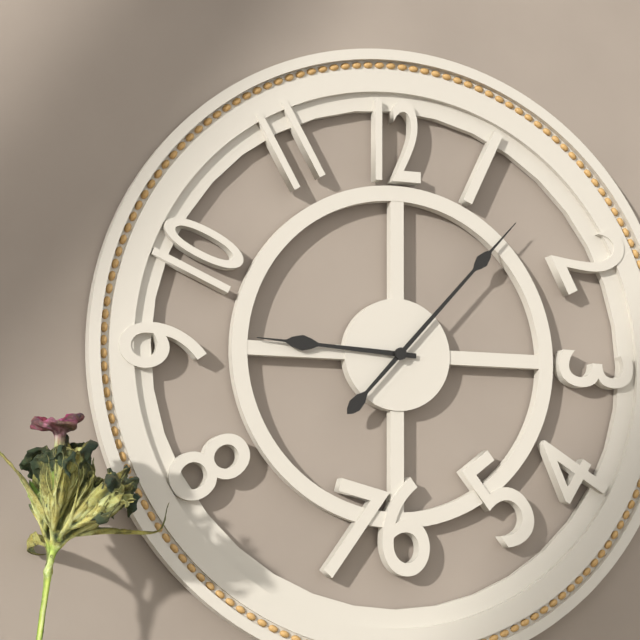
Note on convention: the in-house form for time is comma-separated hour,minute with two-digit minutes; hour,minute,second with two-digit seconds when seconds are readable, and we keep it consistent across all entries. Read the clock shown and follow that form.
9,07
